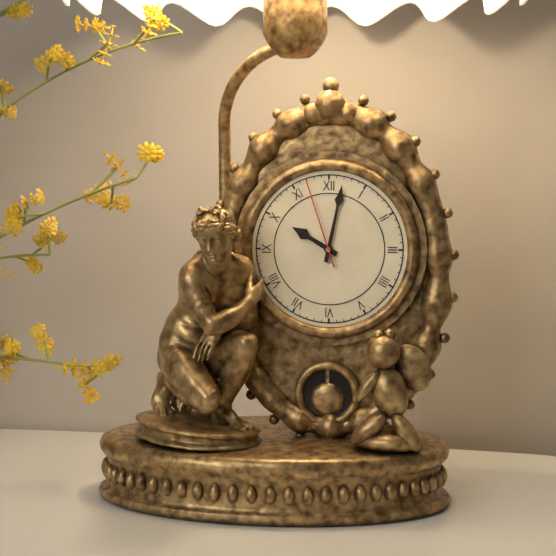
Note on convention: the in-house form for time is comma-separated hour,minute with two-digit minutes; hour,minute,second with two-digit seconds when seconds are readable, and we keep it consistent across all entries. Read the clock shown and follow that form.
10,02,57
